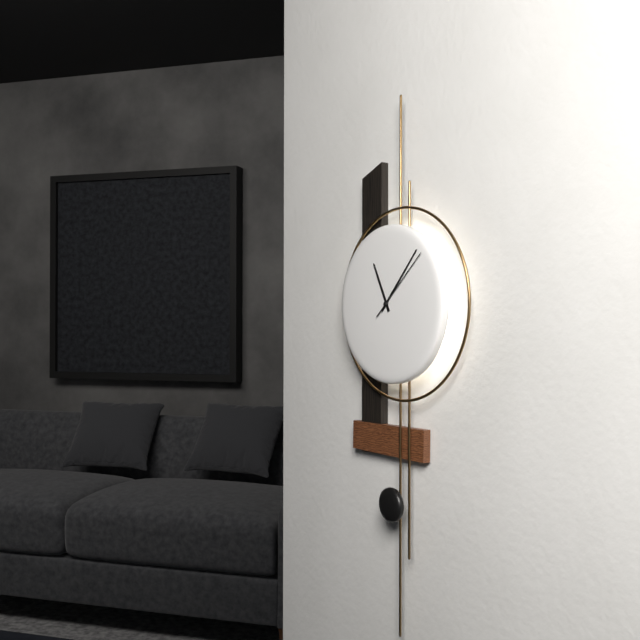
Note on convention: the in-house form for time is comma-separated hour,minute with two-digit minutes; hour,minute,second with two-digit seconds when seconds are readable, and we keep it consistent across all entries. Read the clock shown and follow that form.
11,07,08
